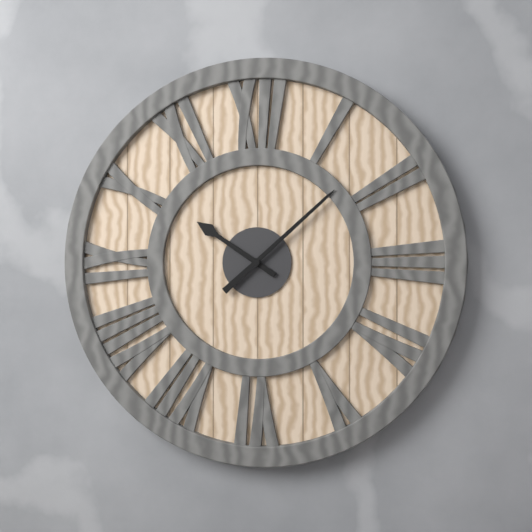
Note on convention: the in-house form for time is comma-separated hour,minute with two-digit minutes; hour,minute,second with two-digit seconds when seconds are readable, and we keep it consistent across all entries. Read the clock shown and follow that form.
10,08
